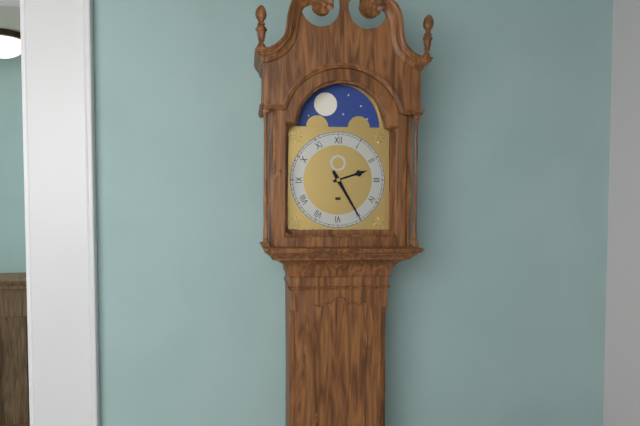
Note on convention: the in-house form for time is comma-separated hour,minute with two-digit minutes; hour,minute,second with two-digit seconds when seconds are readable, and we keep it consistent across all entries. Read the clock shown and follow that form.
2,25
